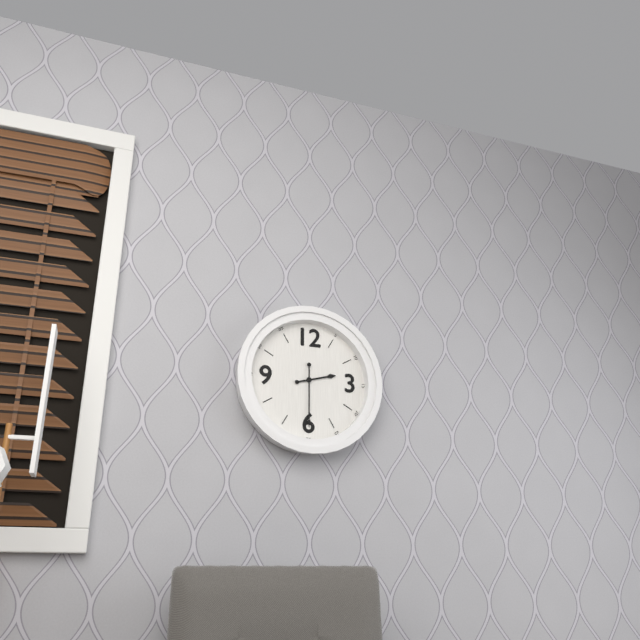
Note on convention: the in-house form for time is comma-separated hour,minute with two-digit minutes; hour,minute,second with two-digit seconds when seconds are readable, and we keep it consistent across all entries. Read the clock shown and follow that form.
2,30
